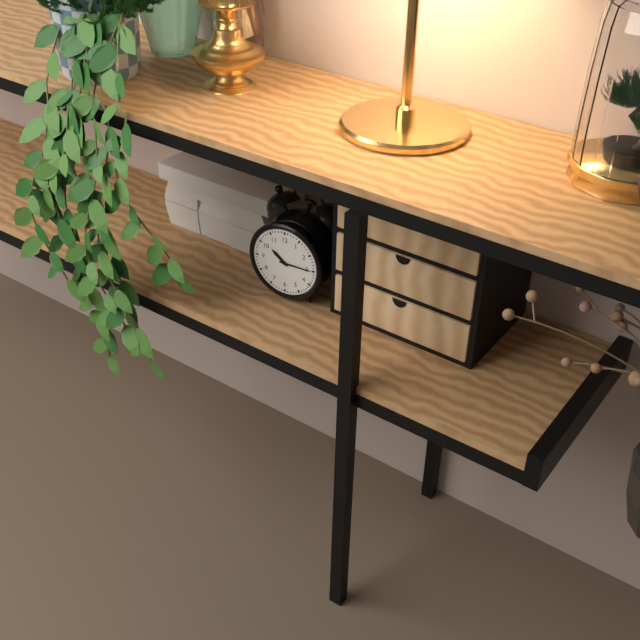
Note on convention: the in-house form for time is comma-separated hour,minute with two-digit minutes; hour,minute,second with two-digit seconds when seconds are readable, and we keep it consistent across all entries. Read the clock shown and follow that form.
10,15
